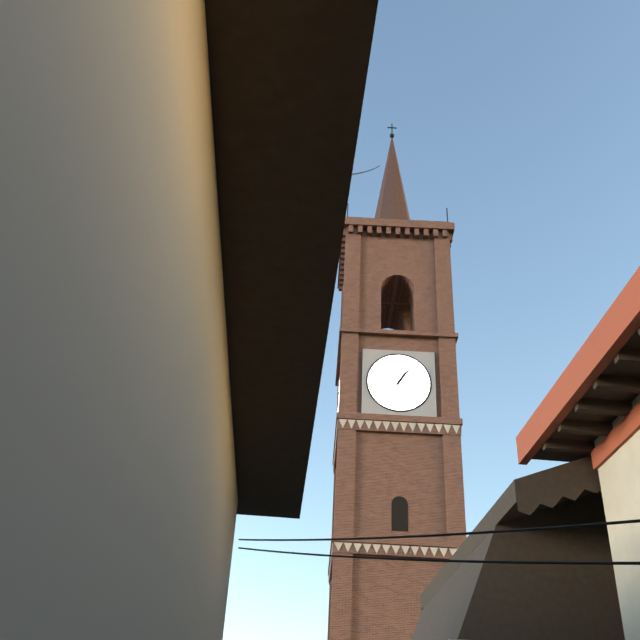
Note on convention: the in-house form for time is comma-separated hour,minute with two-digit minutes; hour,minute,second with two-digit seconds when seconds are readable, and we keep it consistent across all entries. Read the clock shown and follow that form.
1,06
